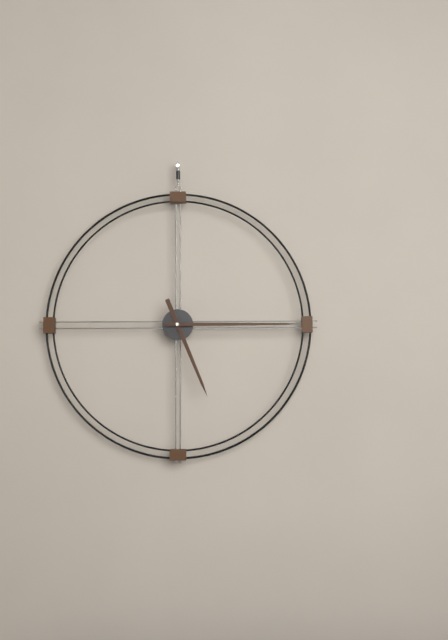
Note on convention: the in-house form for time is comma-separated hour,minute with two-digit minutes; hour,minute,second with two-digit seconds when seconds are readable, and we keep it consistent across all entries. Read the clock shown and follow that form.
5,15
